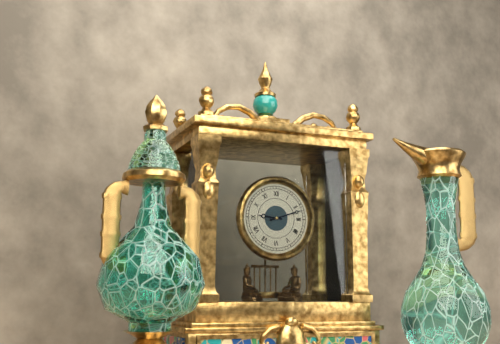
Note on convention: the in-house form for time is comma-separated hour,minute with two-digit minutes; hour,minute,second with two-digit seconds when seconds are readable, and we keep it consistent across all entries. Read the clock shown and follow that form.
9,12
